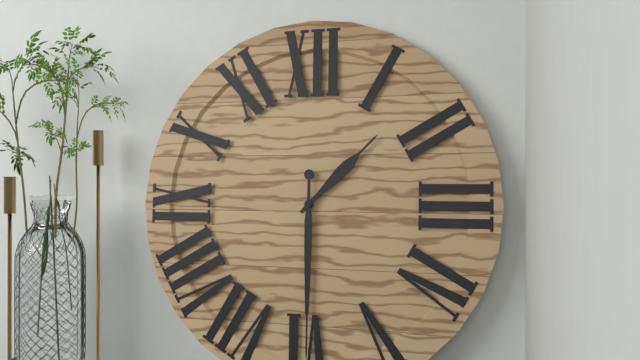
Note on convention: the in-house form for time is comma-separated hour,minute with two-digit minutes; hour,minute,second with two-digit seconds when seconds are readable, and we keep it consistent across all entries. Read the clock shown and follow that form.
1,30
